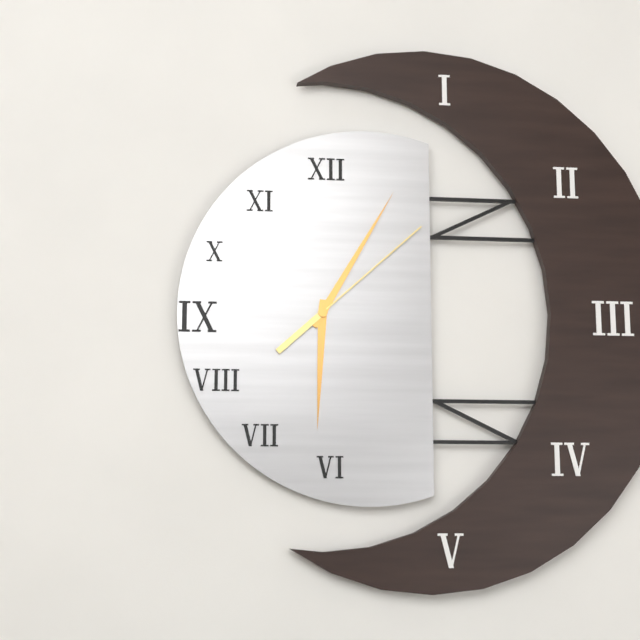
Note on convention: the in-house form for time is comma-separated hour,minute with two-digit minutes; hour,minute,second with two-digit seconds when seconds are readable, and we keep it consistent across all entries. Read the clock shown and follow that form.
6,05,08
